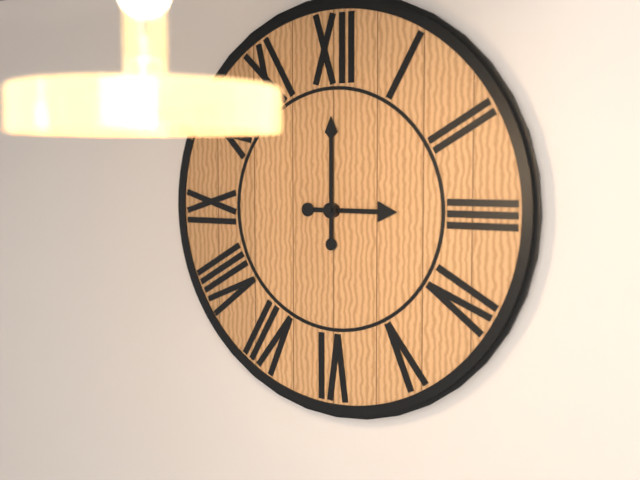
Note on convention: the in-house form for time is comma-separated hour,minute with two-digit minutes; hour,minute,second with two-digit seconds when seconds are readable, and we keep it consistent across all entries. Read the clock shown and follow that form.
3,00
